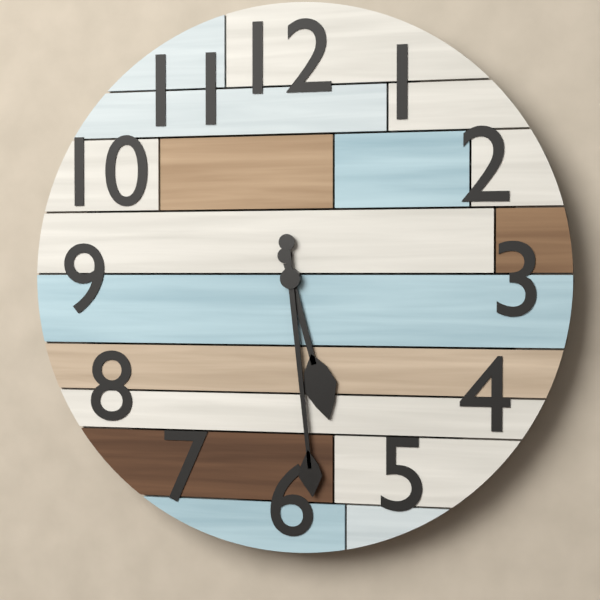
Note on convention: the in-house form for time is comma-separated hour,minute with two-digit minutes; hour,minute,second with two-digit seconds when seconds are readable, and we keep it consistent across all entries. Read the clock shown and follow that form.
5,29
